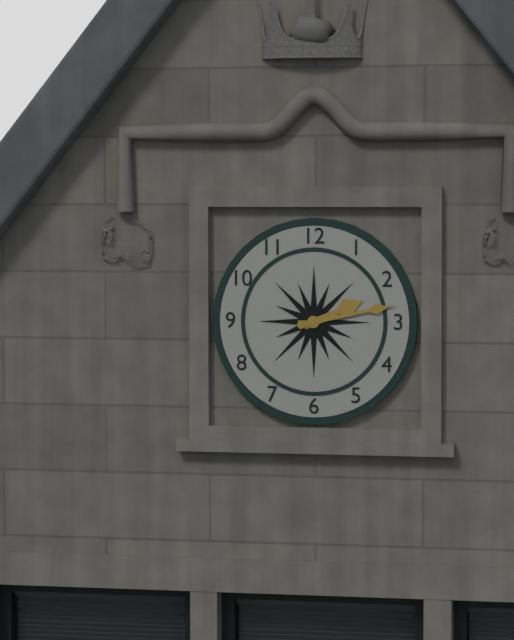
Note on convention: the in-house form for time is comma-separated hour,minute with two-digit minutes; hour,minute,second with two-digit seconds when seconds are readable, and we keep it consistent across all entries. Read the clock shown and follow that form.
2,13
